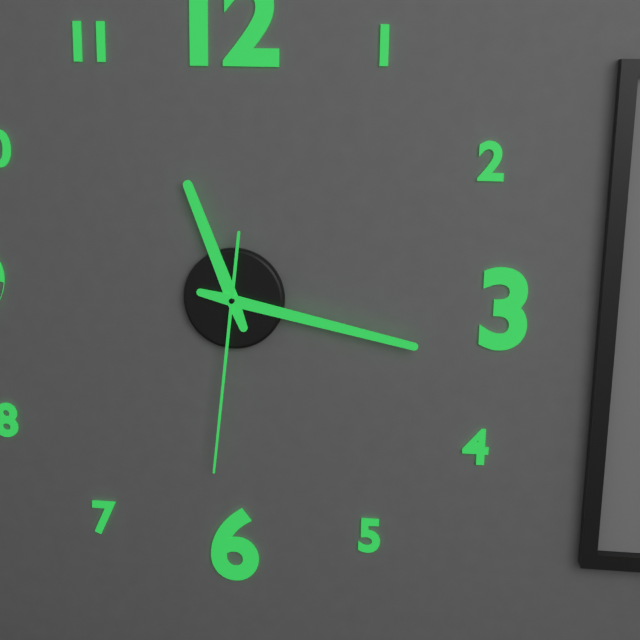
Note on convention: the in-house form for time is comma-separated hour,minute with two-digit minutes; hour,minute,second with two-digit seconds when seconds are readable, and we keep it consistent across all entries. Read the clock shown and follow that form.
11,17,31
